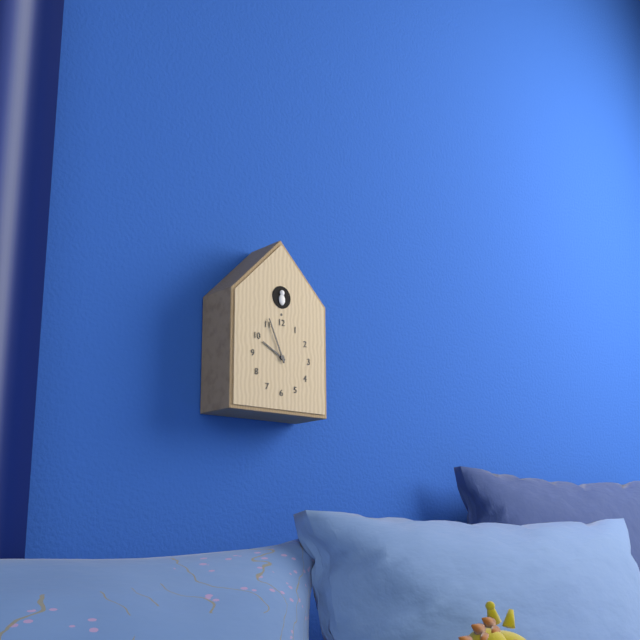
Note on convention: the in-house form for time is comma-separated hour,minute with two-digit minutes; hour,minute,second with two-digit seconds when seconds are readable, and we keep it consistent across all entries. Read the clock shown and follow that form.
9,56
